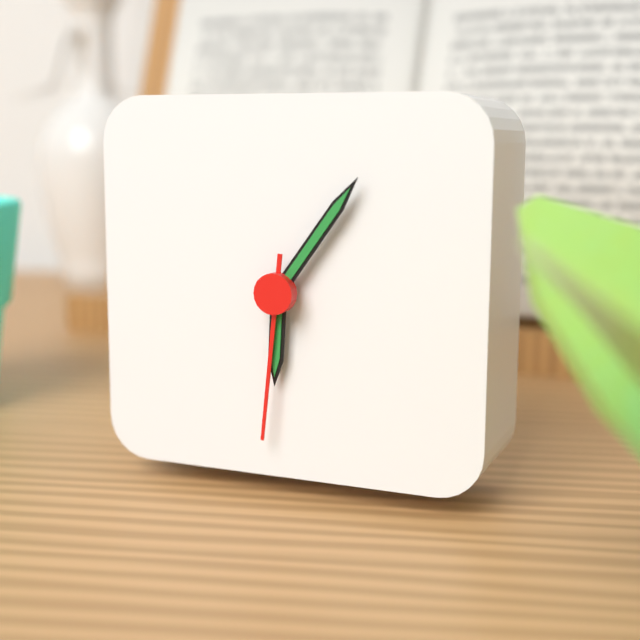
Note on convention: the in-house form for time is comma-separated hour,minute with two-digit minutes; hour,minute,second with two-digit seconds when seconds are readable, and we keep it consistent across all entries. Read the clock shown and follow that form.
6,06,31
